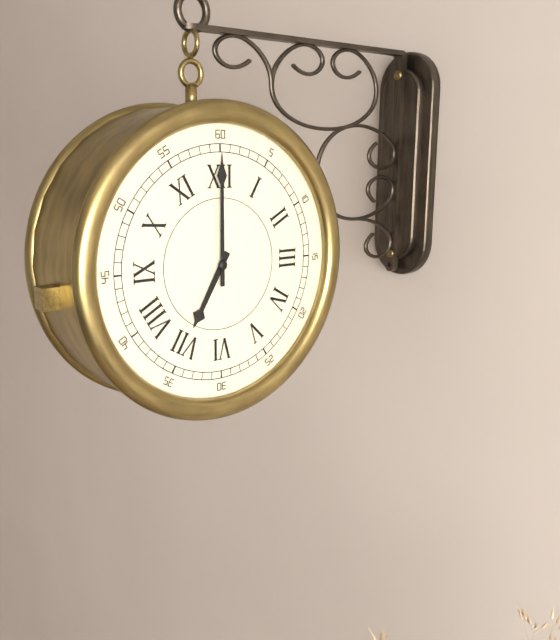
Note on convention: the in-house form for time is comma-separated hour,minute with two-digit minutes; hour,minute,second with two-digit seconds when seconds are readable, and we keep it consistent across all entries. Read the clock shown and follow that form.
7,00
